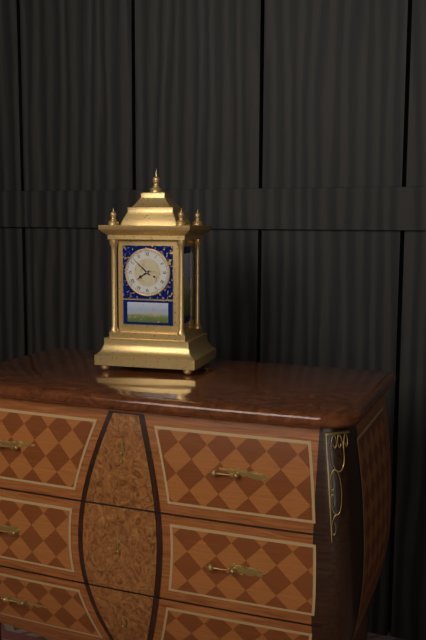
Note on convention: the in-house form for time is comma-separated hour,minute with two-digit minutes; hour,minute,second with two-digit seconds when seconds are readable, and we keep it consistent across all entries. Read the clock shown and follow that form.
7,52
